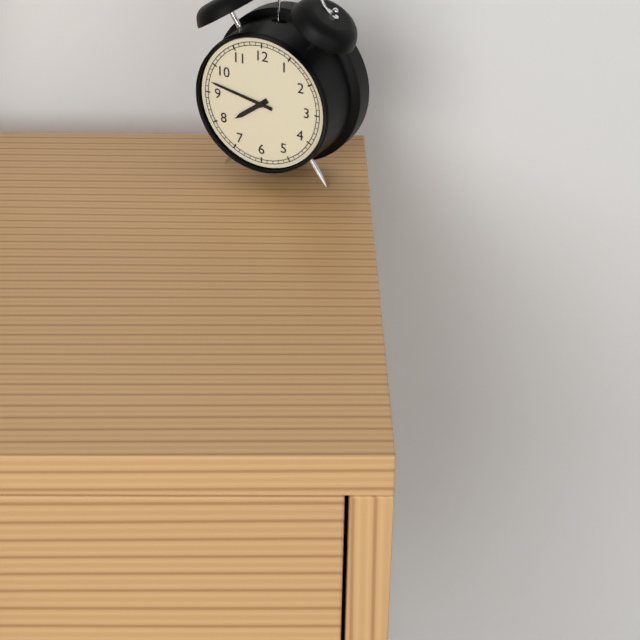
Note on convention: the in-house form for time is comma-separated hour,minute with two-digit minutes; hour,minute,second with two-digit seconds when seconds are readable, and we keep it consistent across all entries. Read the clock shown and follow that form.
7,47
